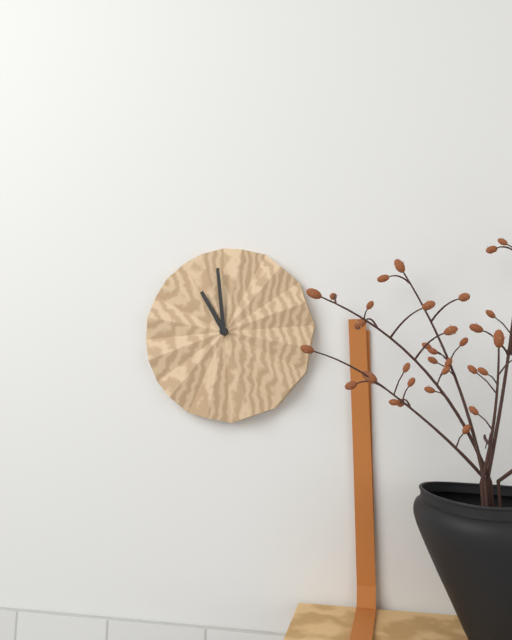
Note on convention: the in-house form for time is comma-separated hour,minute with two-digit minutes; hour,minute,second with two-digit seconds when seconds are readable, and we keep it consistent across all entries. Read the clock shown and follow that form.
10,59
